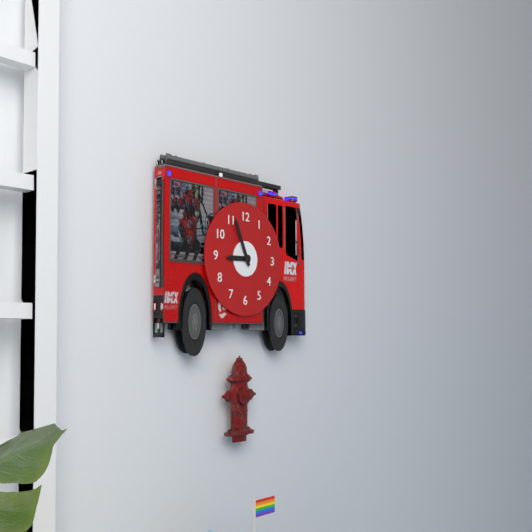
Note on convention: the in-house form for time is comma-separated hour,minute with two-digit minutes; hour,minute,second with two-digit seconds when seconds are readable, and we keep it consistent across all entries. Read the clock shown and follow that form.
8,56
